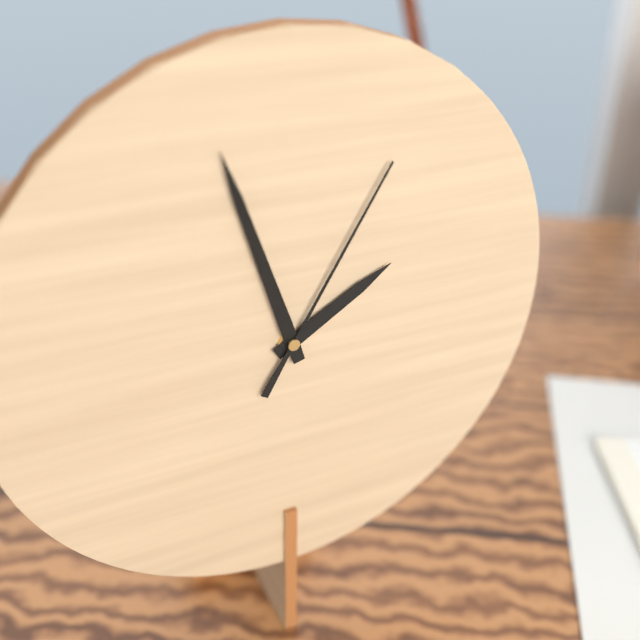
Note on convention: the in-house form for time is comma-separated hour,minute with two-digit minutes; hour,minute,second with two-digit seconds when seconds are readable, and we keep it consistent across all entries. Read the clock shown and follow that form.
1,57,05
